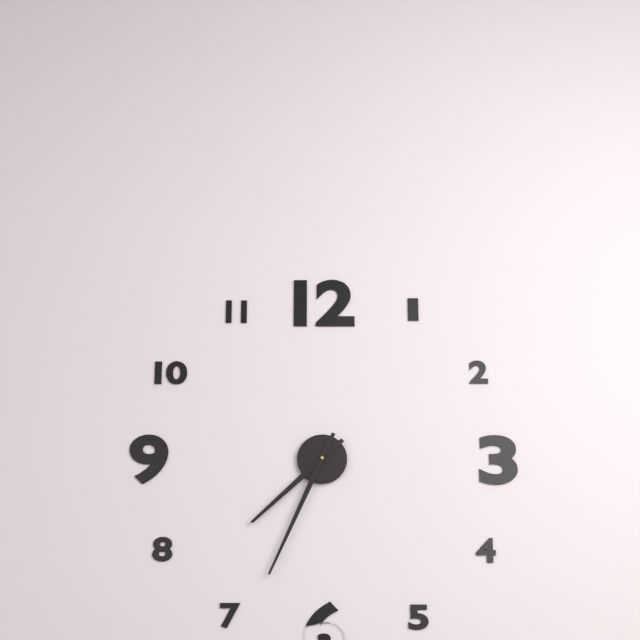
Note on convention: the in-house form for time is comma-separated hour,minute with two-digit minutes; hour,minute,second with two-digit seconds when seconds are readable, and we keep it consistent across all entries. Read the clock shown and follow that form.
7,34
